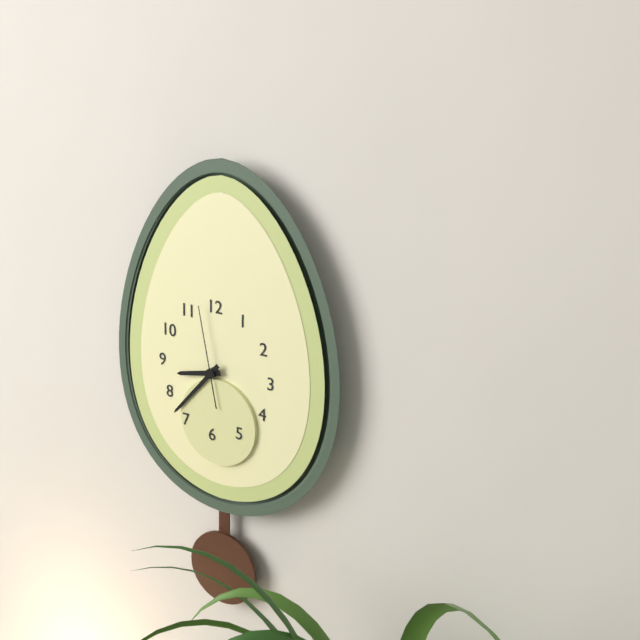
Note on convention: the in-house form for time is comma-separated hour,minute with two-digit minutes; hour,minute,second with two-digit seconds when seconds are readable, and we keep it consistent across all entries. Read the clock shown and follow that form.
8,37,58
